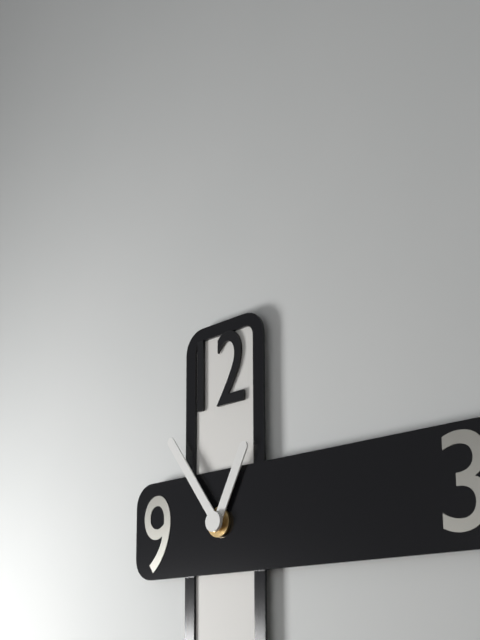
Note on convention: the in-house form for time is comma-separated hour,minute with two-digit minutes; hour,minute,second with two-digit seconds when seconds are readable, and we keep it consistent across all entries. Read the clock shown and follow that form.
12,54
